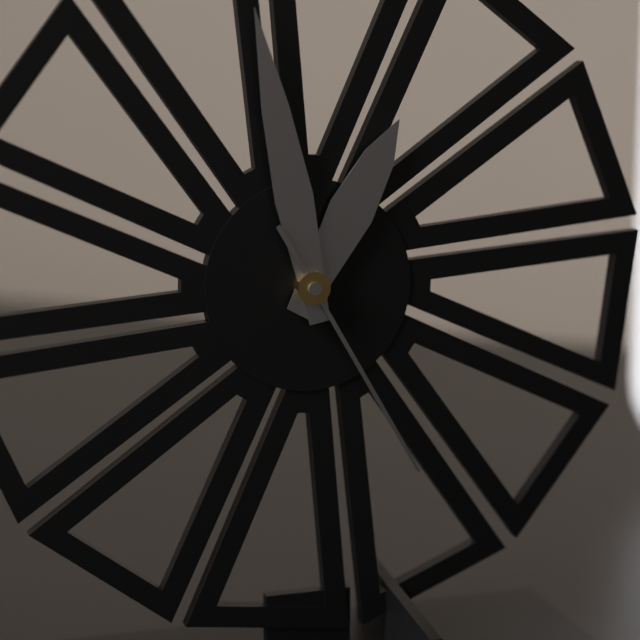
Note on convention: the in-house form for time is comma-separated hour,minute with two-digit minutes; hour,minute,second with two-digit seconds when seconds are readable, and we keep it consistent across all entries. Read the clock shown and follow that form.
12,58,25
